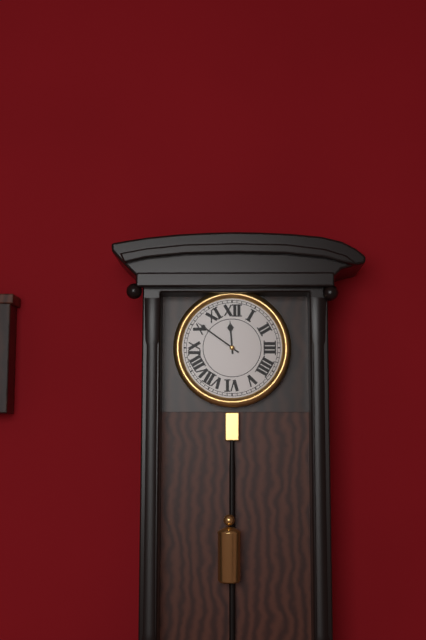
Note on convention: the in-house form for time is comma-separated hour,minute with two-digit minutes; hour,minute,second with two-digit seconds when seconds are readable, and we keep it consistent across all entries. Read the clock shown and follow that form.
11,51
